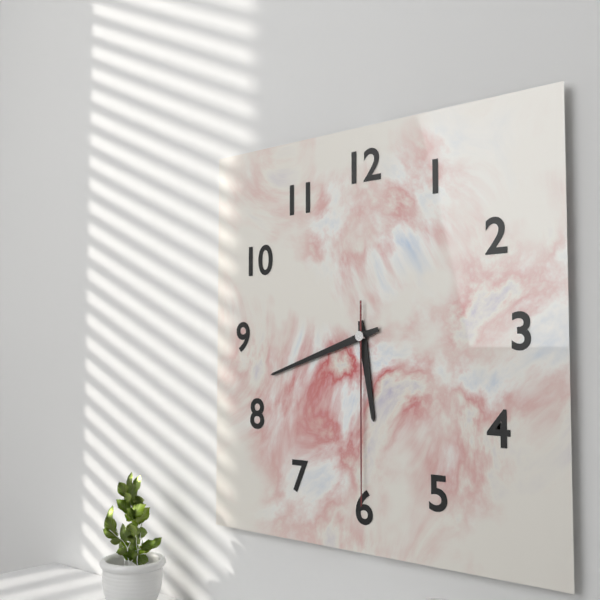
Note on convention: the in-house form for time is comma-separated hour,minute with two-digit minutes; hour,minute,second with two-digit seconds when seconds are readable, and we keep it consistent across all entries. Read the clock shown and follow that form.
5,42,30
